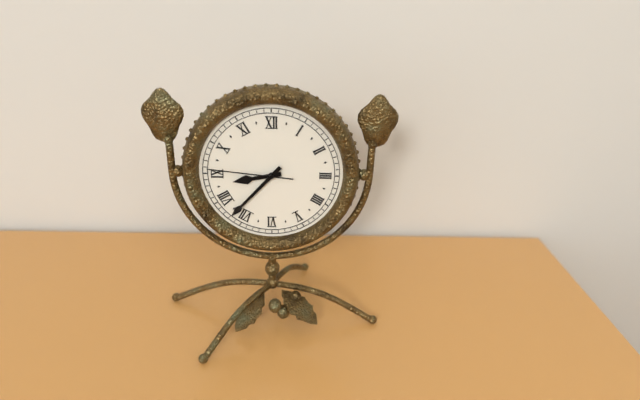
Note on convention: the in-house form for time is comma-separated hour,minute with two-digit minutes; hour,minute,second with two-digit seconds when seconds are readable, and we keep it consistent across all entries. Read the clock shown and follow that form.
8,37,46
